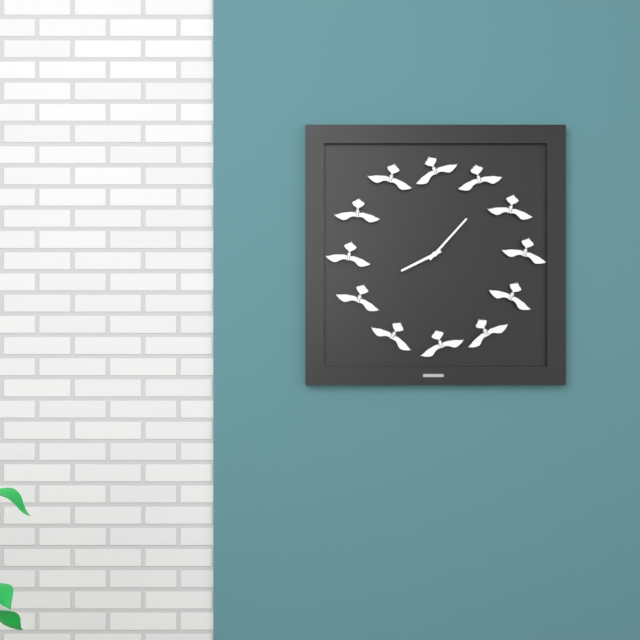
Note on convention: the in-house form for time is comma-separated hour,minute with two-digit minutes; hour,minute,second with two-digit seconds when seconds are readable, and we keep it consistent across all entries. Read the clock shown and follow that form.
8,07
